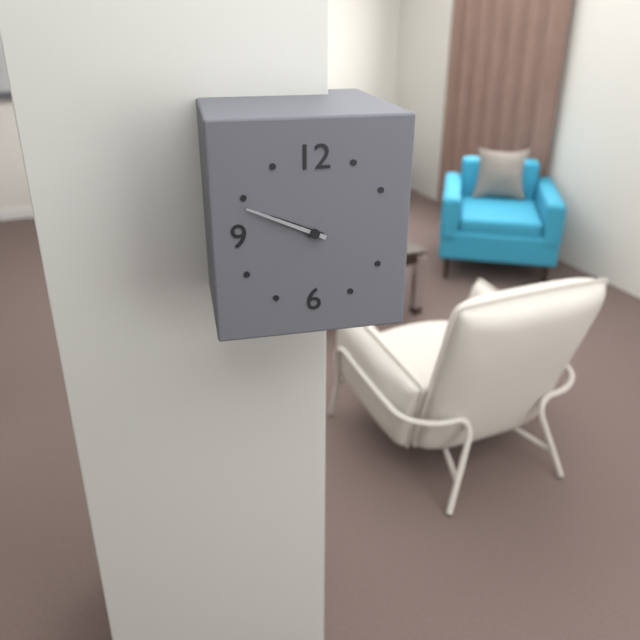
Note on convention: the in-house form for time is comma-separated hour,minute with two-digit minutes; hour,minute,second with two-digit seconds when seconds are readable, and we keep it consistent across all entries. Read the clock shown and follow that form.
9,49
